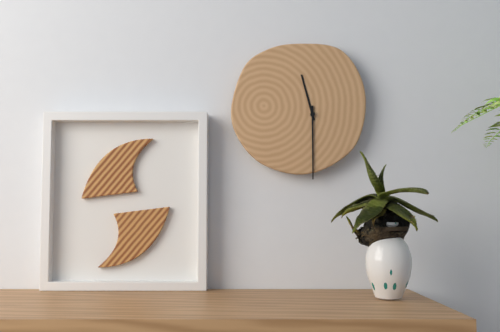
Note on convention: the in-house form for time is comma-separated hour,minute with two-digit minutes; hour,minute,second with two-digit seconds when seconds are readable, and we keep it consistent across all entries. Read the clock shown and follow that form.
11,30
